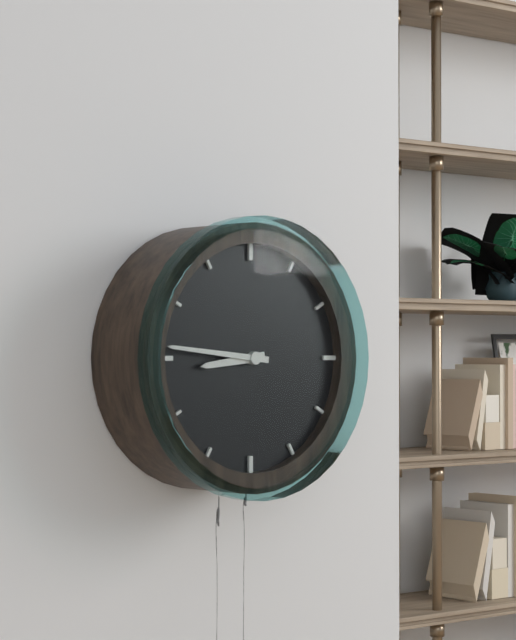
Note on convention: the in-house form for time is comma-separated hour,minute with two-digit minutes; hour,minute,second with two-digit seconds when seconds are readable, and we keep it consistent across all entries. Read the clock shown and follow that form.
8,46
